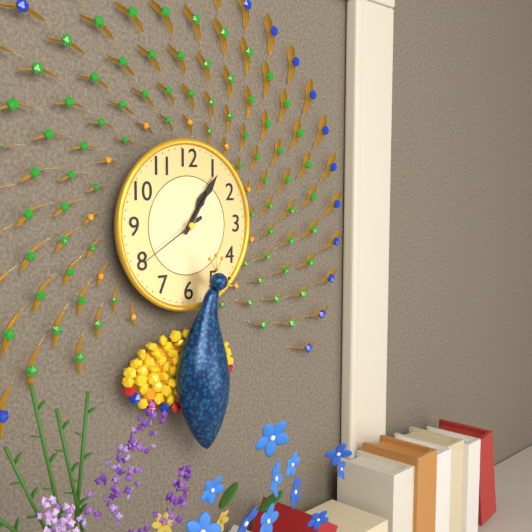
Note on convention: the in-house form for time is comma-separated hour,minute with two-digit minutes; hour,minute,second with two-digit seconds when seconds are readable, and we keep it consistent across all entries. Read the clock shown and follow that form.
1,06,40
